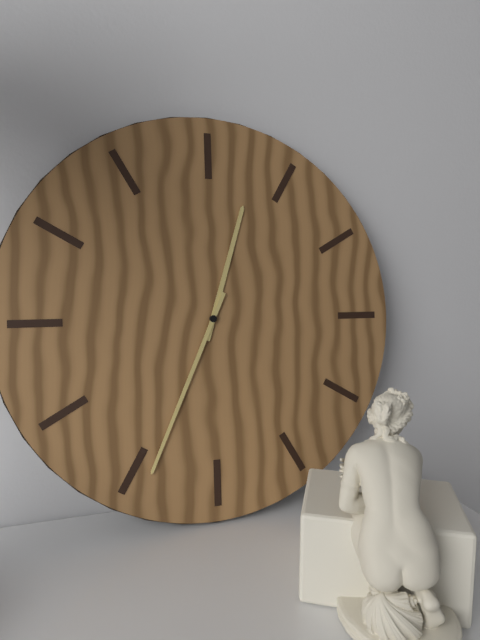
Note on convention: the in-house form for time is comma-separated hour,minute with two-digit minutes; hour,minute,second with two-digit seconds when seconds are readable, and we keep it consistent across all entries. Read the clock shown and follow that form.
12,34
